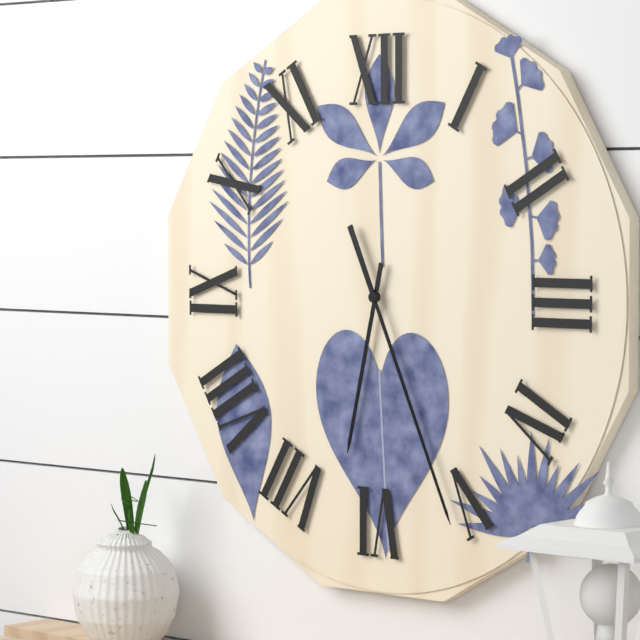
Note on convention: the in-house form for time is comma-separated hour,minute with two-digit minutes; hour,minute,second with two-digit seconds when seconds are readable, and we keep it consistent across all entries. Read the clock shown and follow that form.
6,26
